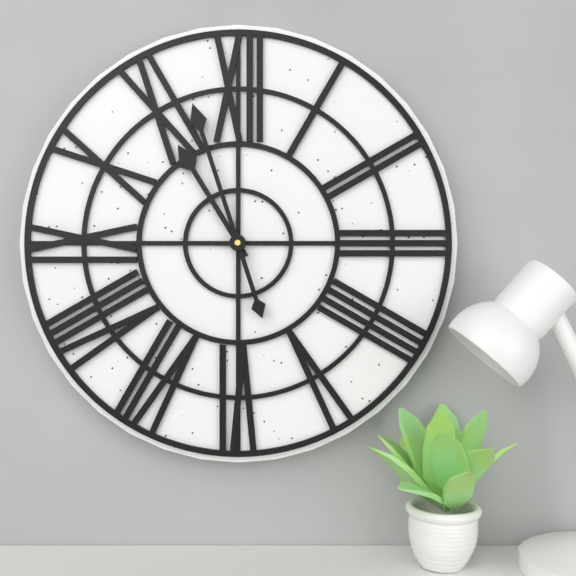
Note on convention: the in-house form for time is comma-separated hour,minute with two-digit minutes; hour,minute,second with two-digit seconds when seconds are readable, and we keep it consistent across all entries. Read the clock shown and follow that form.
10,57
